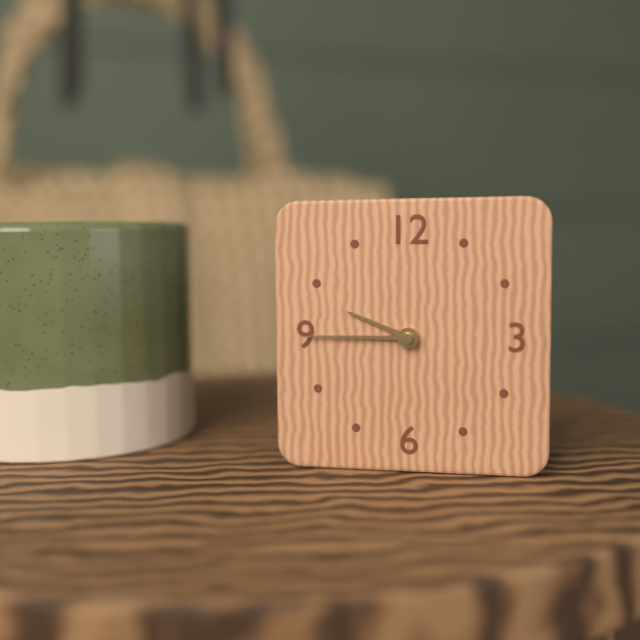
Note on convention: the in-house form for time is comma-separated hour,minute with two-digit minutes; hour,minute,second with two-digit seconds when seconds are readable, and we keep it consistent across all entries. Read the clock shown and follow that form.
9,45
